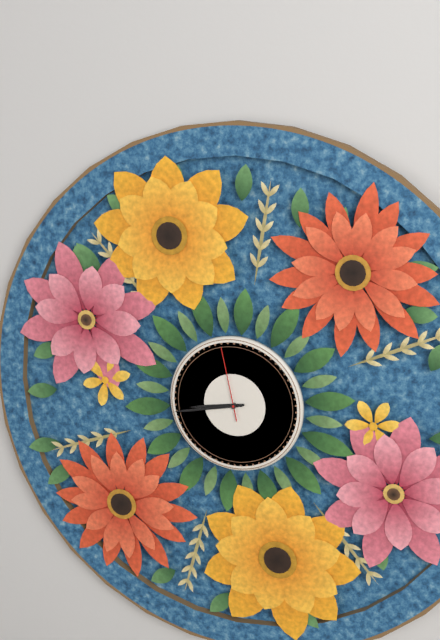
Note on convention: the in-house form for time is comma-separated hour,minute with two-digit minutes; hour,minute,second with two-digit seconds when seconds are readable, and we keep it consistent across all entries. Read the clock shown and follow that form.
8,43,58
